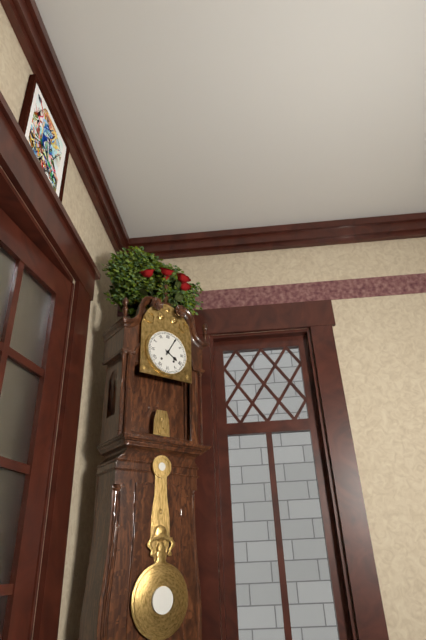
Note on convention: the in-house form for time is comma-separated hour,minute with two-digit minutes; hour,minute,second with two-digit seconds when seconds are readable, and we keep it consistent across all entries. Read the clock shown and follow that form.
4,05
